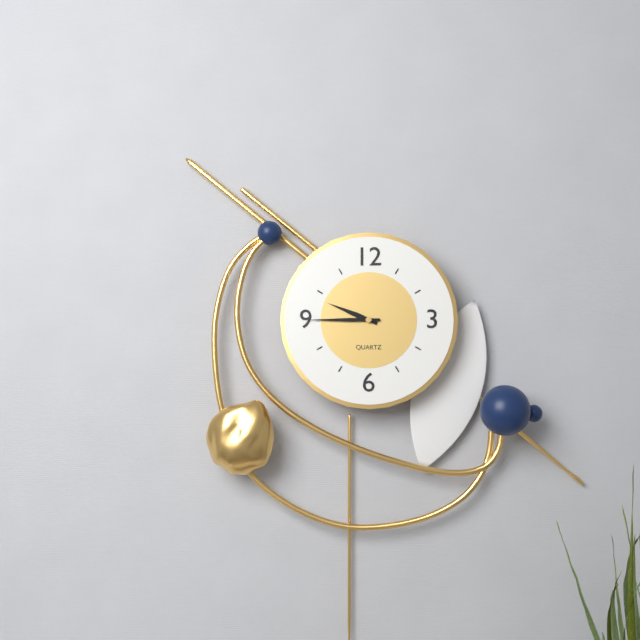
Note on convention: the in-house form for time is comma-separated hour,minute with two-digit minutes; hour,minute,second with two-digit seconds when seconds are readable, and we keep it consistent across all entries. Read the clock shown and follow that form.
9,45
